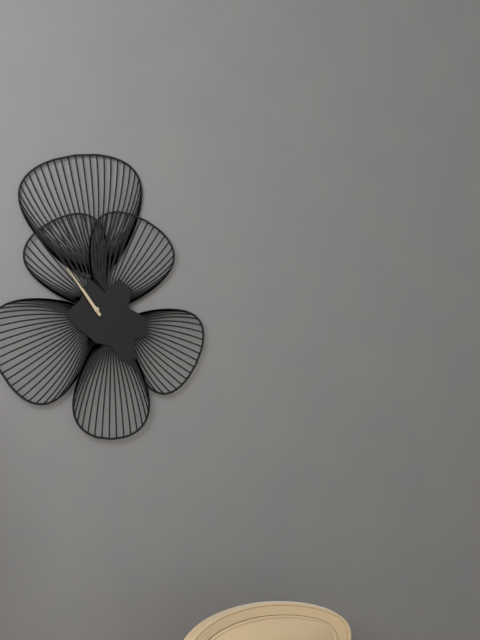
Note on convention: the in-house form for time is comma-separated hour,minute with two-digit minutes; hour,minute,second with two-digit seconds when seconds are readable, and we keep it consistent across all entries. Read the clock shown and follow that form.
10,54
